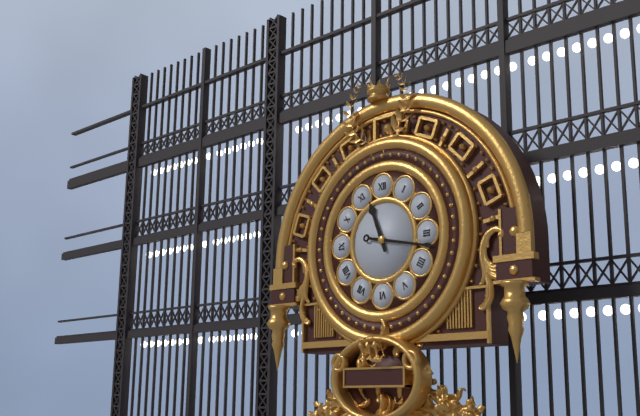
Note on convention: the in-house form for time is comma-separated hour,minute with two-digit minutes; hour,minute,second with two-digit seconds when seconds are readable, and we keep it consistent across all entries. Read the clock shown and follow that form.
11,17
